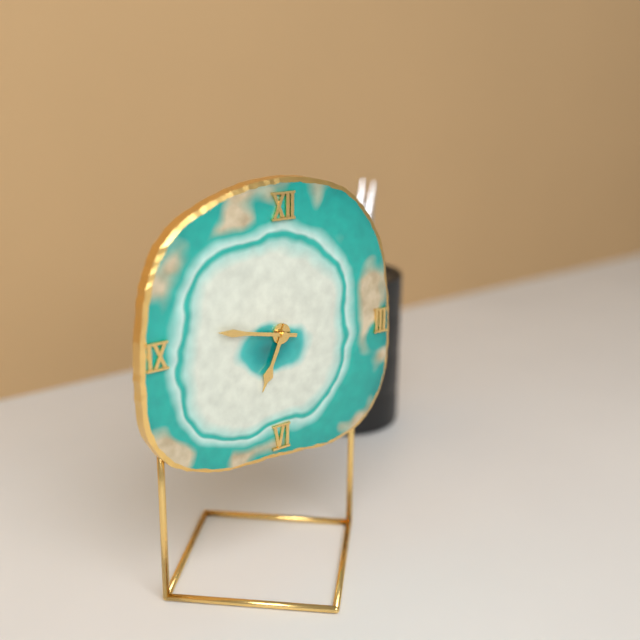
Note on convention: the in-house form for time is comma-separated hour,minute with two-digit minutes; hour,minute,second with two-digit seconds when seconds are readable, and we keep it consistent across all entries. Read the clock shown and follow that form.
6,47
